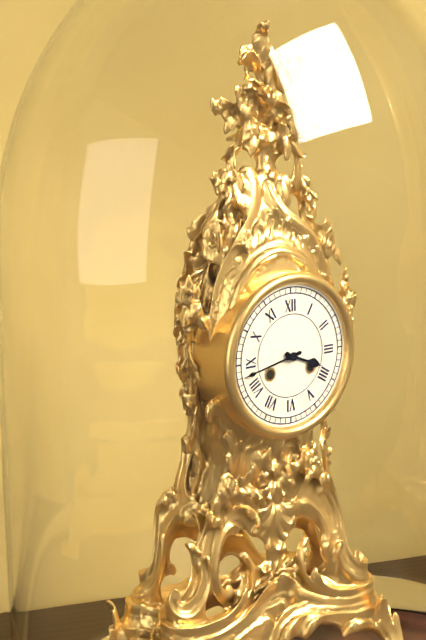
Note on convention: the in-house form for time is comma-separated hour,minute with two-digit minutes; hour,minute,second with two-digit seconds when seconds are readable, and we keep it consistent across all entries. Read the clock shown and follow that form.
3,43
